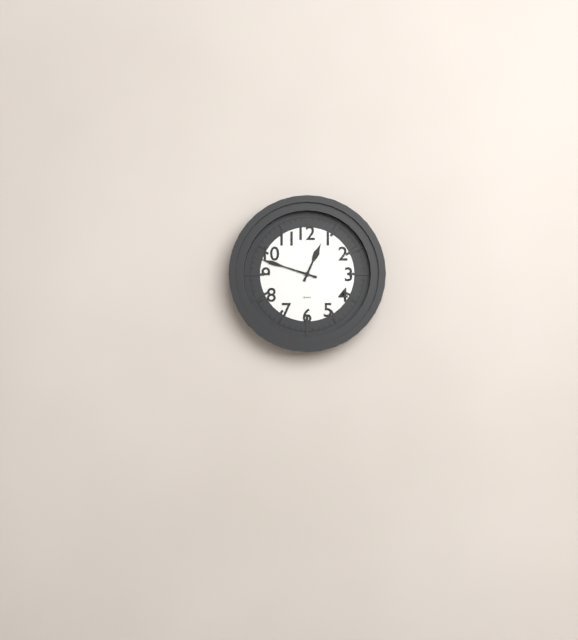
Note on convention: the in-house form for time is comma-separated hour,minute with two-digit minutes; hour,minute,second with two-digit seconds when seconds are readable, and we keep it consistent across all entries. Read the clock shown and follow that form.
12,48
